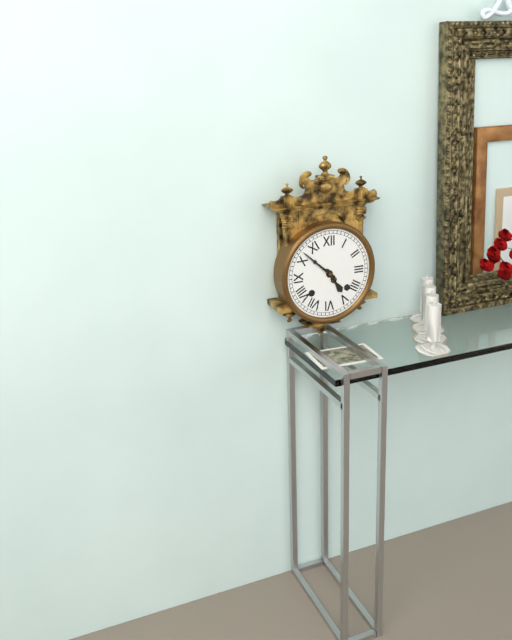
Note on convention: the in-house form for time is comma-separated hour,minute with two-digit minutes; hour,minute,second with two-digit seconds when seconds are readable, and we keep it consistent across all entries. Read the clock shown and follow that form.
4,52
